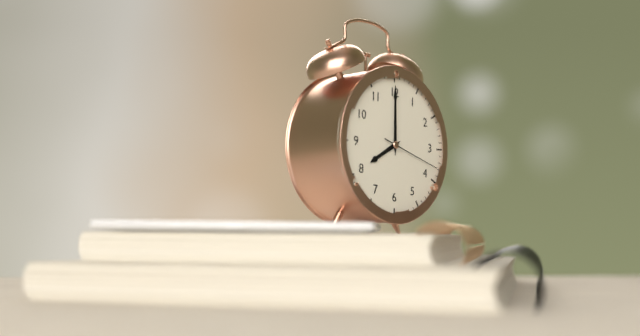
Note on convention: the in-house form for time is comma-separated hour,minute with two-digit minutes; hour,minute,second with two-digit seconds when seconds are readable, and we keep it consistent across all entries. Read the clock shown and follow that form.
8,00,18
